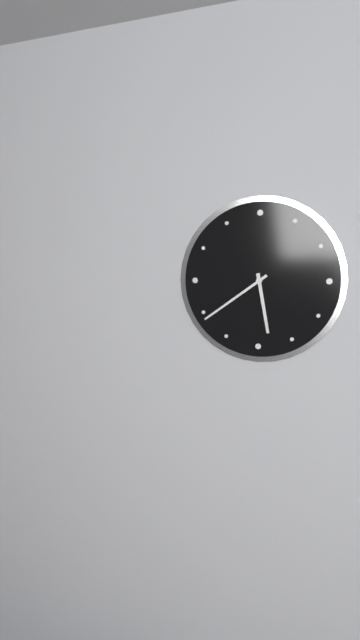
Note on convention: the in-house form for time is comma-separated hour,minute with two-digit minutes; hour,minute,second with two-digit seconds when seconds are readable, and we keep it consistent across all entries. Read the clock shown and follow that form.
5,39
